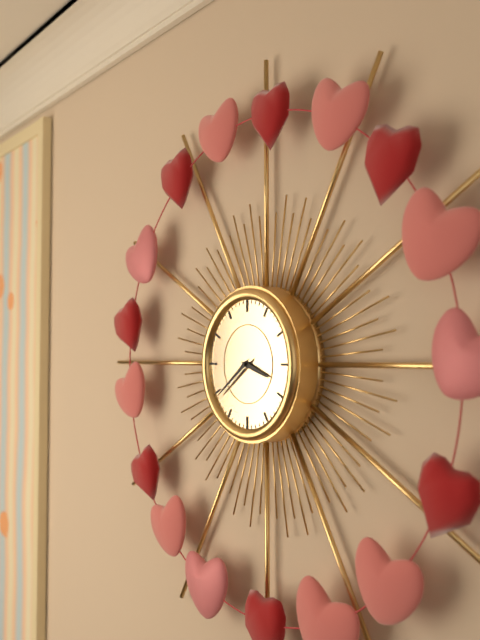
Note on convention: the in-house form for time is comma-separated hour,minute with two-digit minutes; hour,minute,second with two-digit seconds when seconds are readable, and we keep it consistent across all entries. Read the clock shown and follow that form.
3,39
